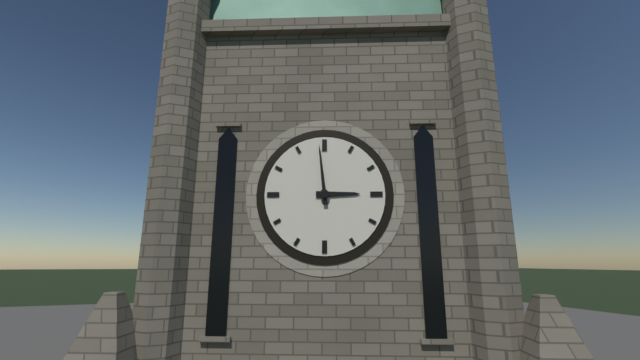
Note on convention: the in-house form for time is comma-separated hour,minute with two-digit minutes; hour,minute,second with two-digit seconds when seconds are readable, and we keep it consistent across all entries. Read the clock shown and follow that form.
2,59
